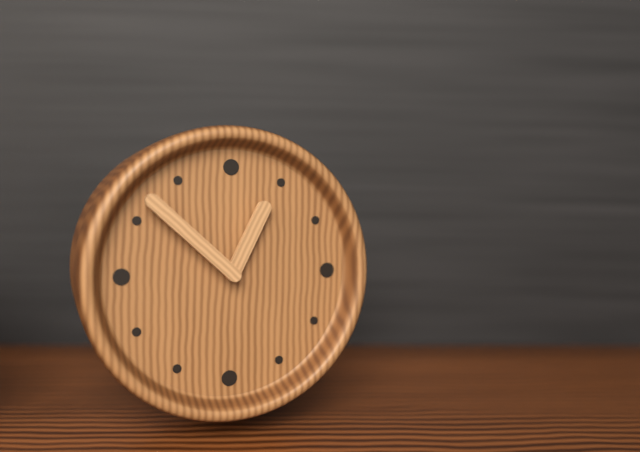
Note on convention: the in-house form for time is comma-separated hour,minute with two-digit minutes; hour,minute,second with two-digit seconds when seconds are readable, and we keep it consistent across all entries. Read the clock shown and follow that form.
12,52
